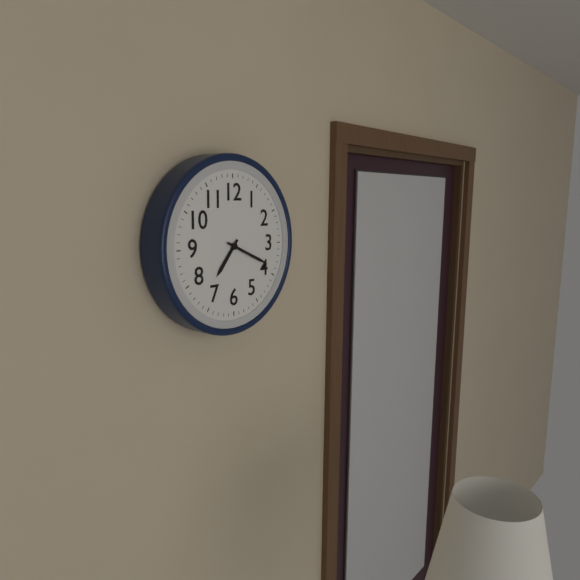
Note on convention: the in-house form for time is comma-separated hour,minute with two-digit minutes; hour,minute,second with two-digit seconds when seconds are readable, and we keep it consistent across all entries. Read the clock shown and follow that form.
7,19
